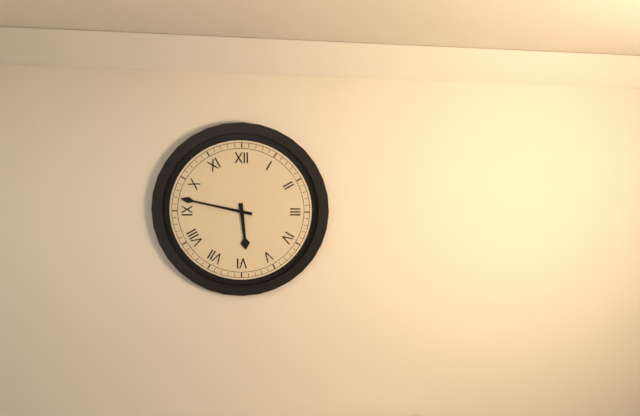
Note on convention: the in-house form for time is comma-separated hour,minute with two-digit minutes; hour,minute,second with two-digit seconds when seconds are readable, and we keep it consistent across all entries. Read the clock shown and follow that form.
5,47
